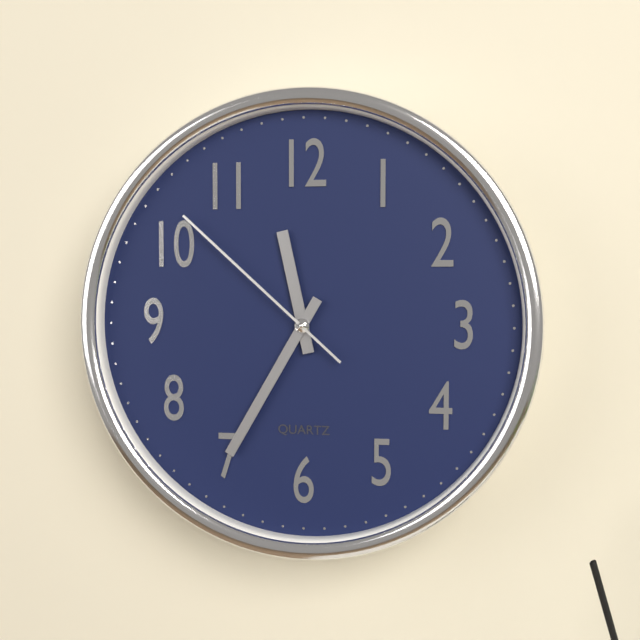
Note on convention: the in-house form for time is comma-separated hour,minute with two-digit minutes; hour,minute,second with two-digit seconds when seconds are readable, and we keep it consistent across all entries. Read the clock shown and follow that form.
11,35,52
